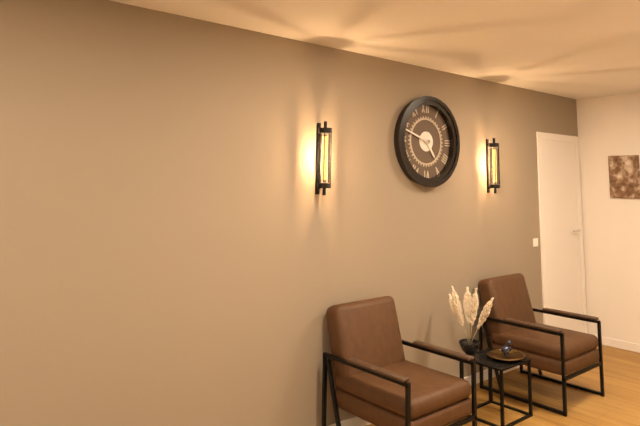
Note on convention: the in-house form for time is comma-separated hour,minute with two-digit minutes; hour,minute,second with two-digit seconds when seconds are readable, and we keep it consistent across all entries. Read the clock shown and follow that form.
4,48
